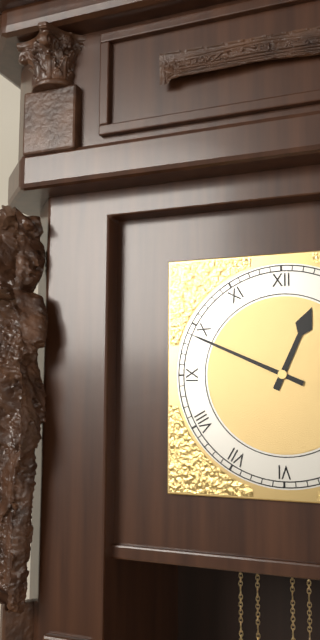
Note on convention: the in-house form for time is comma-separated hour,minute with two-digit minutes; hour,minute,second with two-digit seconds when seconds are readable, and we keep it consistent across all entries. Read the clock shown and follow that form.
12,49
